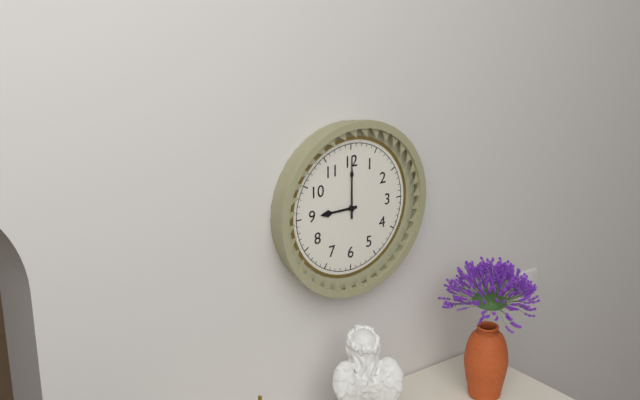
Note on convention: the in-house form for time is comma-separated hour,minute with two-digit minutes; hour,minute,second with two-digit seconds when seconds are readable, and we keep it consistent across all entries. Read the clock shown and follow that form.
9,00
